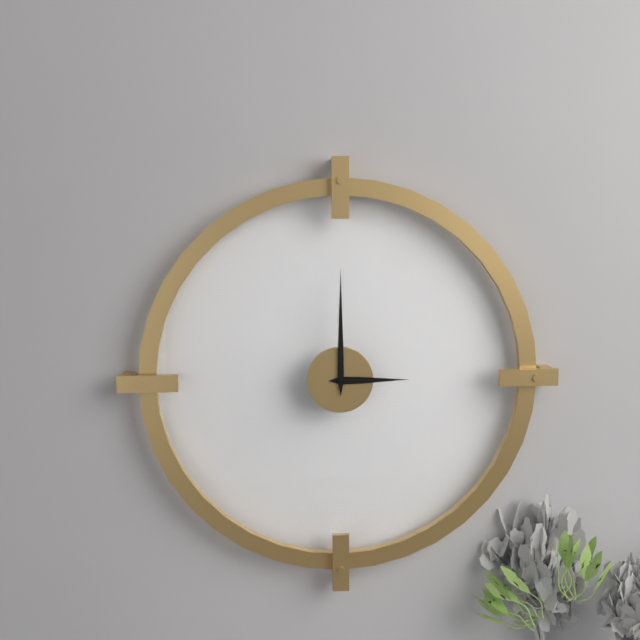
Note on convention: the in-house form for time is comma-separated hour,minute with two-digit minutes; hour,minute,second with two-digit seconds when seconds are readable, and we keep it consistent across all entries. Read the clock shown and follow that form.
3,00
